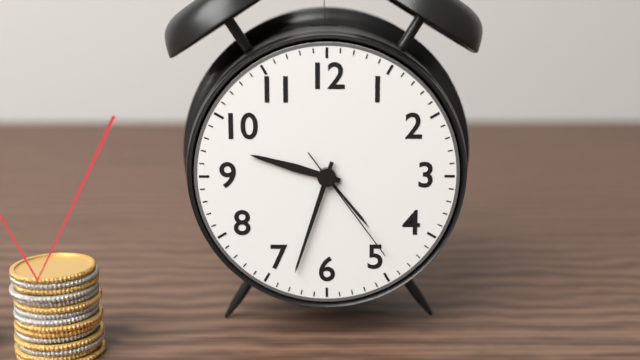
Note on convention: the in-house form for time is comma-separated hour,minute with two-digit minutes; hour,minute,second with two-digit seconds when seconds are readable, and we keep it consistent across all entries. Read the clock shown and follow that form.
9,33,24
